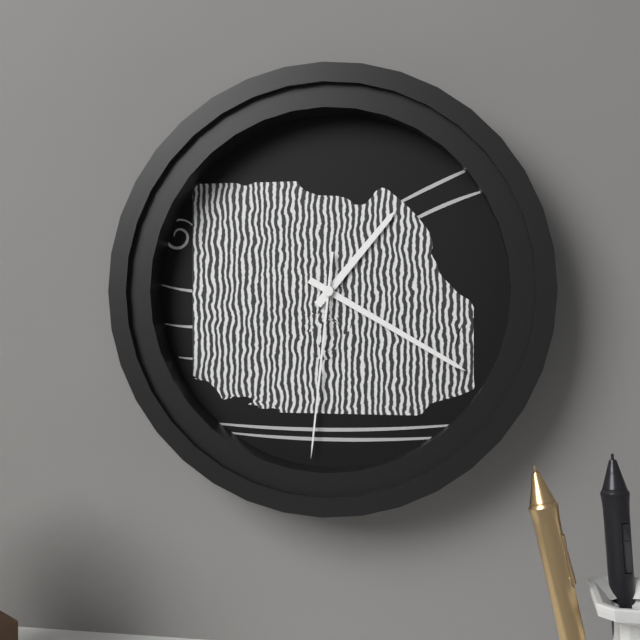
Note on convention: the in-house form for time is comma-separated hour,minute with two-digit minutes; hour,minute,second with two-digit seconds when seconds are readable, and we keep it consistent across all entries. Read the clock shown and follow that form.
1,20,31
